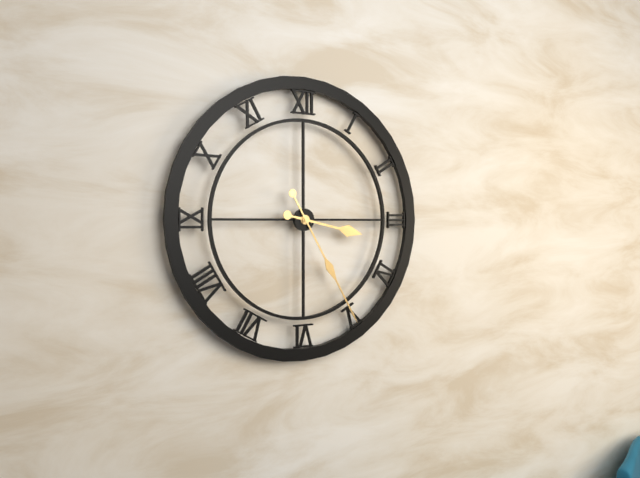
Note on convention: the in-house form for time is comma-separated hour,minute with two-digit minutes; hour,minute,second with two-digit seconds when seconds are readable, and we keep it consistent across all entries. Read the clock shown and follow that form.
3,25
